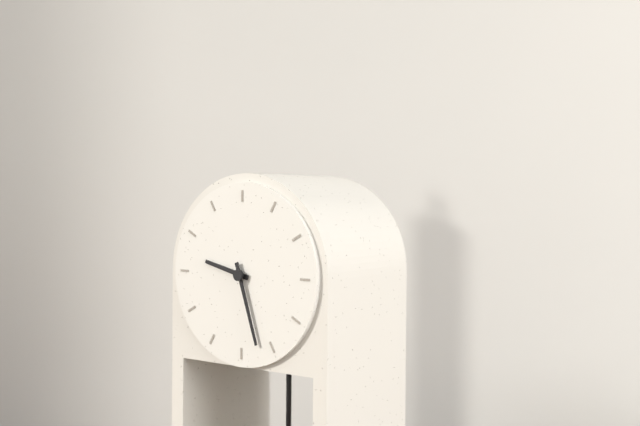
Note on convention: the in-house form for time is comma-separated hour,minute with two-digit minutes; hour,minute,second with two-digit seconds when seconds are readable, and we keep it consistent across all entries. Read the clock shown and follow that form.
9,27
